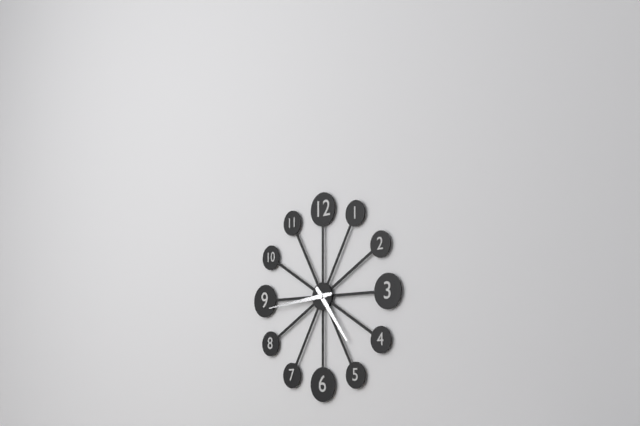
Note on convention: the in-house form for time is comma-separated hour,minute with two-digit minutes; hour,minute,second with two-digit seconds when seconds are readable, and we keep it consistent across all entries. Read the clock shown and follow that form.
4,44
